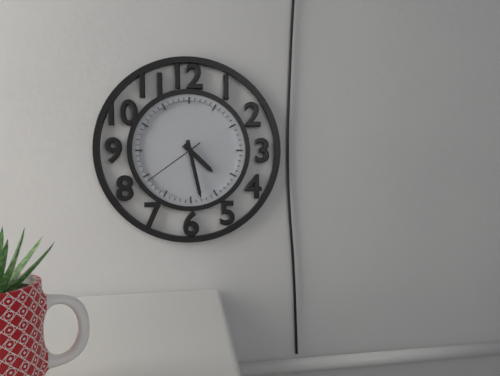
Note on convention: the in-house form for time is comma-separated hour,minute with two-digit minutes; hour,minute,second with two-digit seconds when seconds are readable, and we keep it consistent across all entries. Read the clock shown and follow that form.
4,28,39
